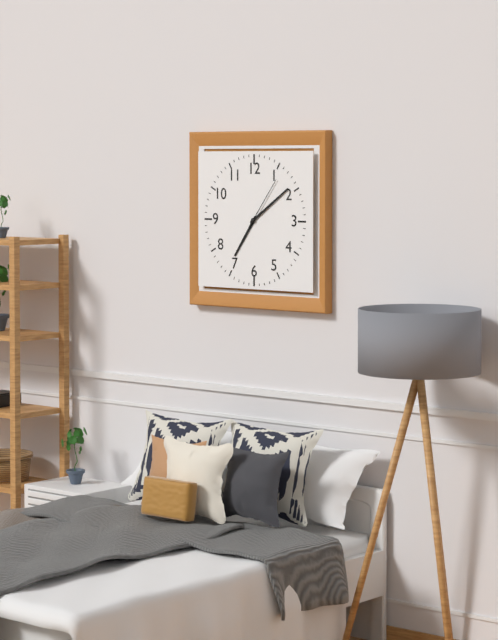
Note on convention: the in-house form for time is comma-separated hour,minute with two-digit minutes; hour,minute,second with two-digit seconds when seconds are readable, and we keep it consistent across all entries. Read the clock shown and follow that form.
7,09,06
